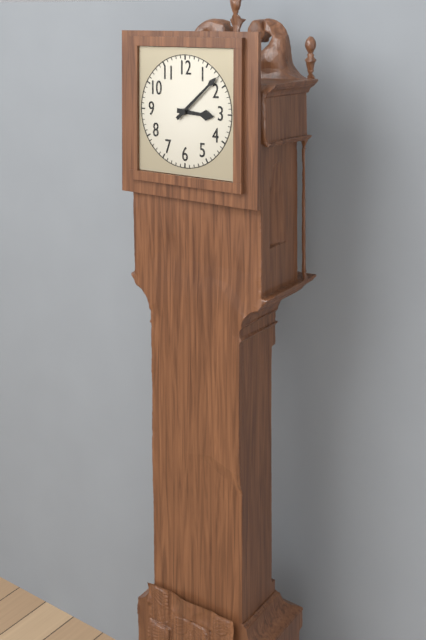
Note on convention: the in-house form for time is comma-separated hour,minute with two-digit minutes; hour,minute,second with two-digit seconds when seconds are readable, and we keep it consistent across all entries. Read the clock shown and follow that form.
3,08
